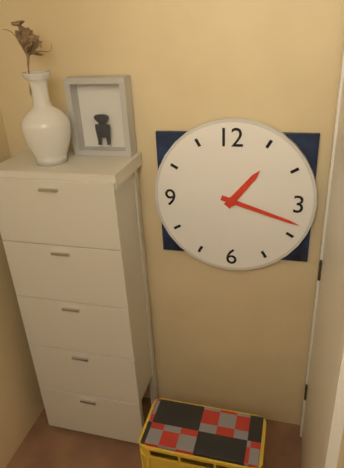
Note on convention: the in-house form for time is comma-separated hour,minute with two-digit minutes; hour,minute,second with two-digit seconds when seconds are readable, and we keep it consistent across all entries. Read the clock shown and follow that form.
1,18
